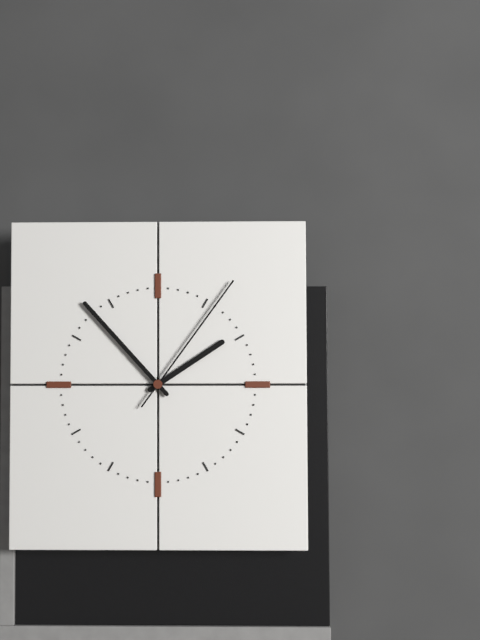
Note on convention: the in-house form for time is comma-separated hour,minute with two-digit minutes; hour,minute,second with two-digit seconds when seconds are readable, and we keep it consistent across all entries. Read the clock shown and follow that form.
1,53,06
